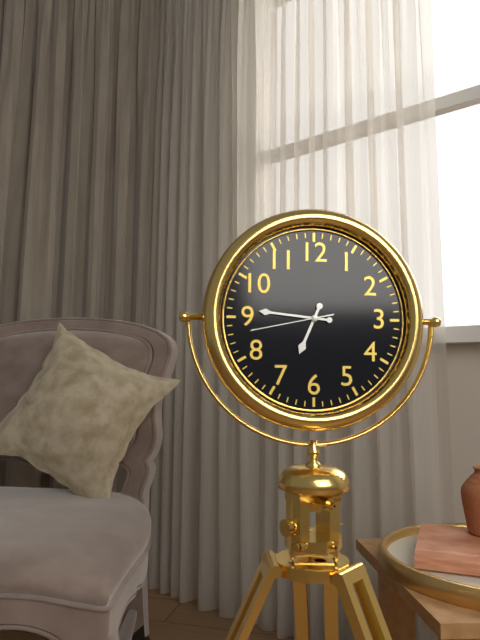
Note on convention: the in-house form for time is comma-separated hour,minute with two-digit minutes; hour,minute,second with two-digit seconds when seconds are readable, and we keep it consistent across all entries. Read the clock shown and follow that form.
6,46,43
